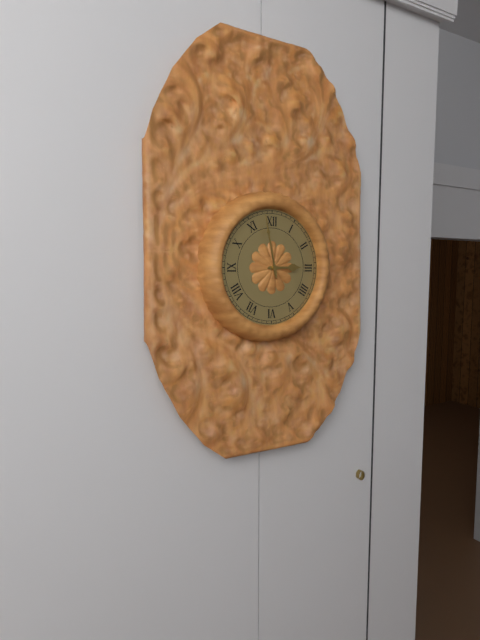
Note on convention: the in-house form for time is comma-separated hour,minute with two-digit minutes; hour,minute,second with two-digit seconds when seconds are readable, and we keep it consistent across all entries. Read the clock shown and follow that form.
2,58
